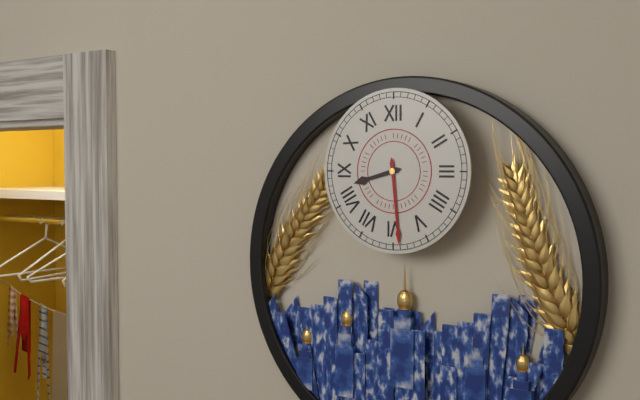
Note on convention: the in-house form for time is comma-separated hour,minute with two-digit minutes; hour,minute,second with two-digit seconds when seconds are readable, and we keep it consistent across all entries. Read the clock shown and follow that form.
8,29
